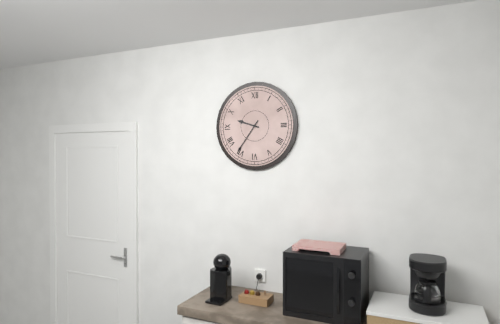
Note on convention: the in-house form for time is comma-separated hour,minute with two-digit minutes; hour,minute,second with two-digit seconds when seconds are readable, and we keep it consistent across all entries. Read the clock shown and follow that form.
9,36
